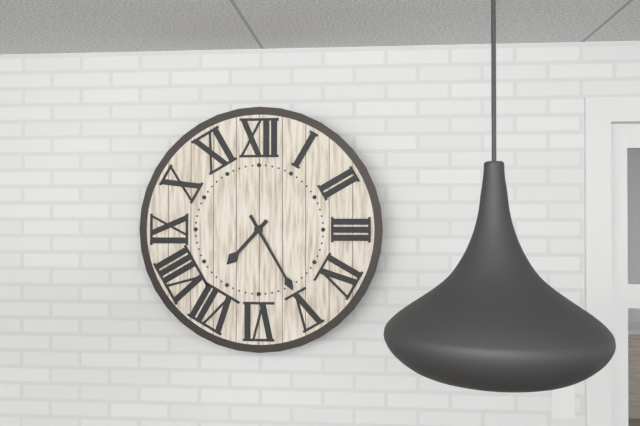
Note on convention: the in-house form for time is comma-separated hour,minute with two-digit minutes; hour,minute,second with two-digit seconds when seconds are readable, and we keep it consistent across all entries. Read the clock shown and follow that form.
7,25
